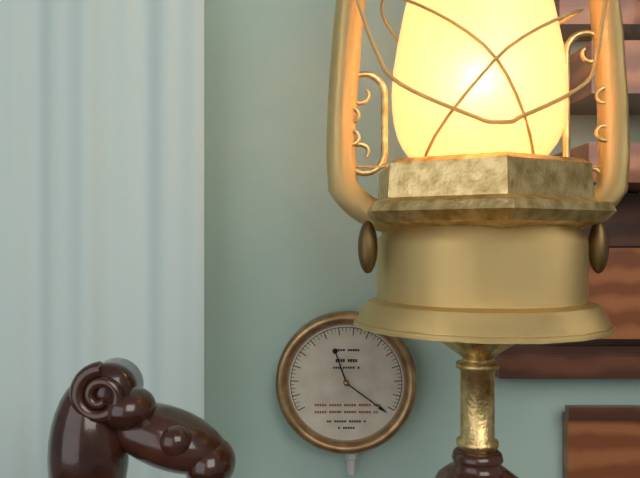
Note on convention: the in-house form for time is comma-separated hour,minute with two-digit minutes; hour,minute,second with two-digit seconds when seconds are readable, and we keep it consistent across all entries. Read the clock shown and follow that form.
11,21
